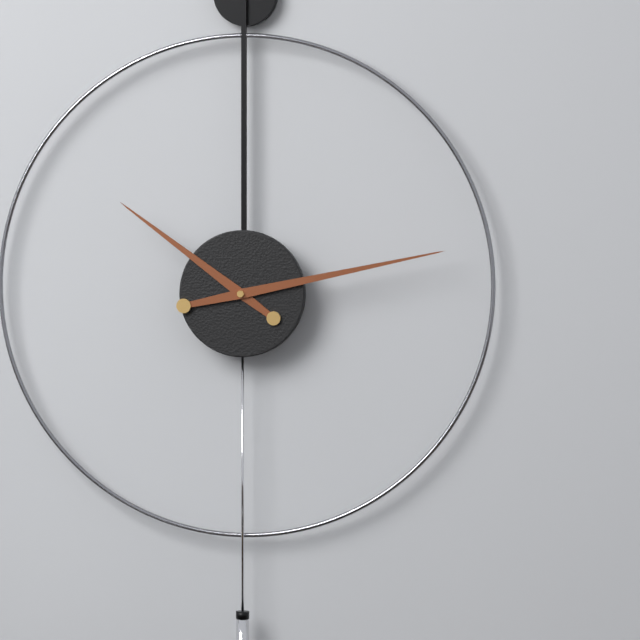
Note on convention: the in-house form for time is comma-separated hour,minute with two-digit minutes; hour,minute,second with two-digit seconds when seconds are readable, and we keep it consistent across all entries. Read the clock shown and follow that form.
10,13
